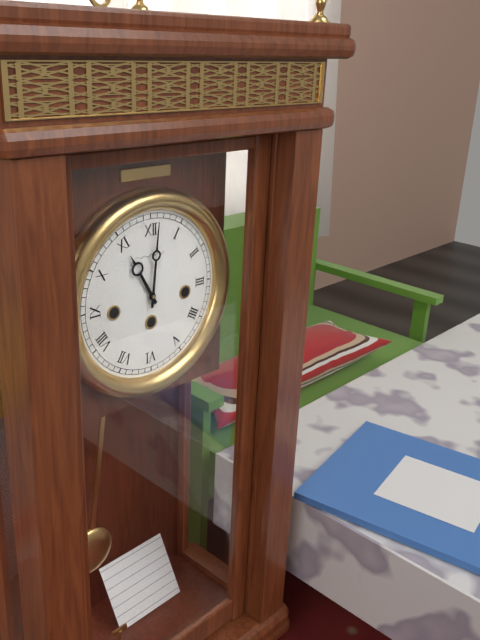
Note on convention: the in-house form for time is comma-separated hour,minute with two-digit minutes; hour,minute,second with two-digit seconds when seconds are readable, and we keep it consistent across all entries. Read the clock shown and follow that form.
11,01
